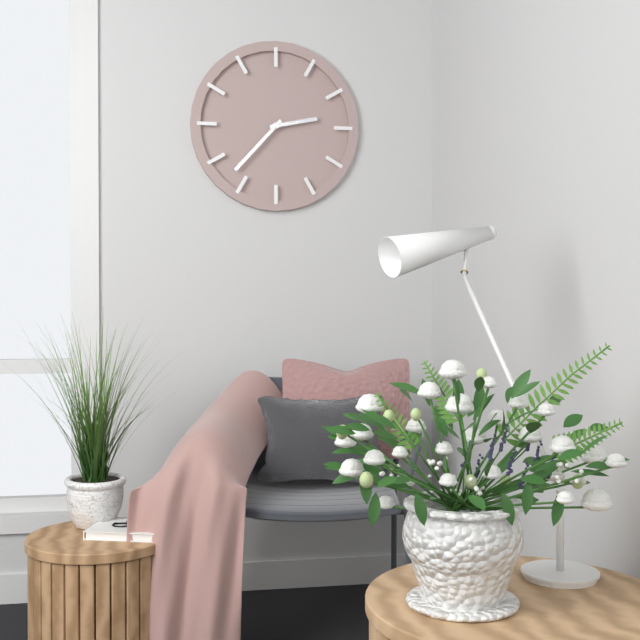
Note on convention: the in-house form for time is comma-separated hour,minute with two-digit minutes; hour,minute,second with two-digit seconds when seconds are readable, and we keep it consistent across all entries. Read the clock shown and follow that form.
2,37
